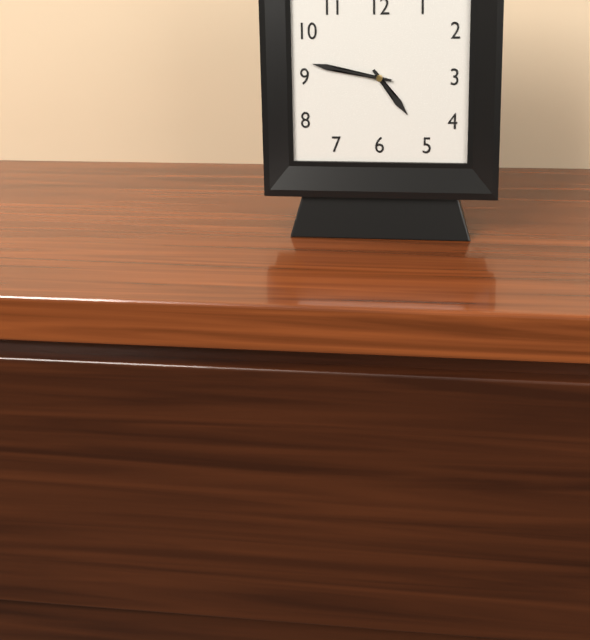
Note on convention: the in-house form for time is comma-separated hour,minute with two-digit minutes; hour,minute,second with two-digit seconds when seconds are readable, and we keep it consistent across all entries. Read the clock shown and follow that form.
4,47
